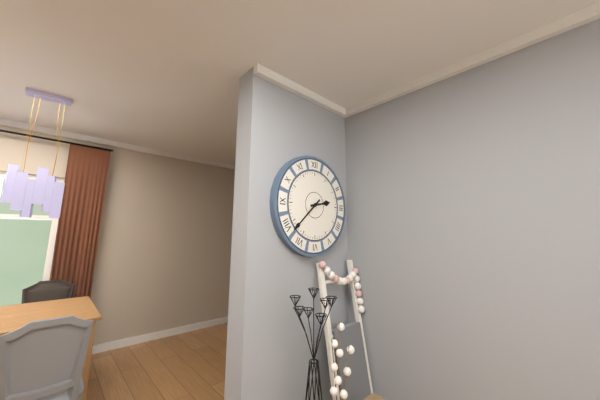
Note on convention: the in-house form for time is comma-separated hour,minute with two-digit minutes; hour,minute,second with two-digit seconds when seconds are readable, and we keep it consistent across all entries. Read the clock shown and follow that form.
2,38
